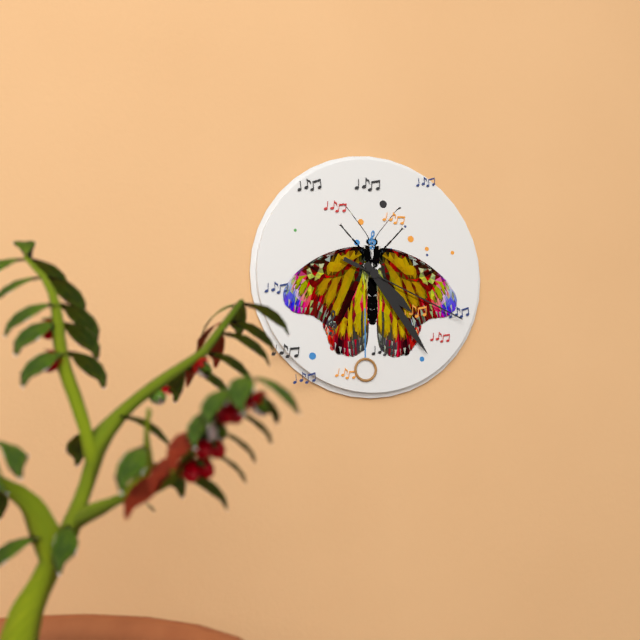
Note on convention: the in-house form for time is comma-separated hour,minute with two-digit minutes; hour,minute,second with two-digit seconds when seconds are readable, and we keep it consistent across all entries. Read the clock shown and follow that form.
4,24,19
